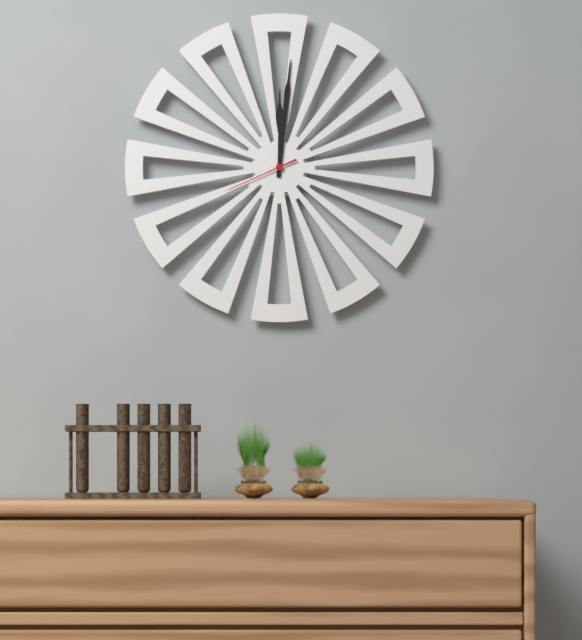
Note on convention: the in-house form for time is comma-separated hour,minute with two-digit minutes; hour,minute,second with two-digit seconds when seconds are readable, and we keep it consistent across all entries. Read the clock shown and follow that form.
12,01,41
